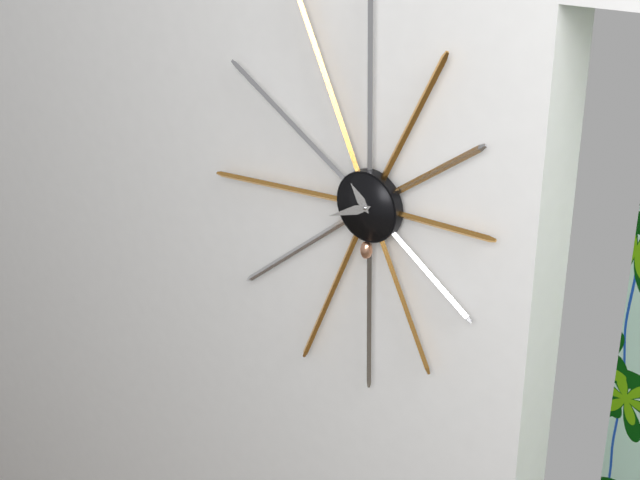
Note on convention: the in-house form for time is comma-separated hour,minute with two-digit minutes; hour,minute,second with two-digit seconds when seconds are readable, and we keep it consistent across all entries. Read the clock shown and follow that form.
10,41
